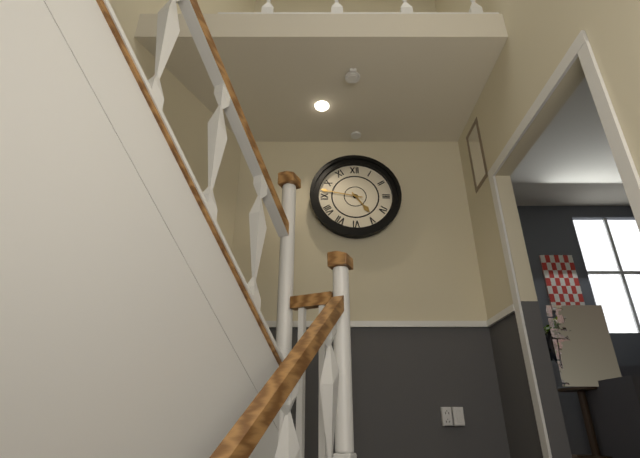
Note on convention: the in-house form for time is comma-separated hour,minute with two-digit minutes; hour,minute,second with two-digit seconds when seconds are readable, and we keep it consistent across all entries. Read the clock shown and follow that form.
4,47
